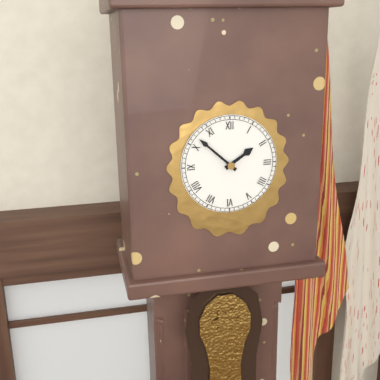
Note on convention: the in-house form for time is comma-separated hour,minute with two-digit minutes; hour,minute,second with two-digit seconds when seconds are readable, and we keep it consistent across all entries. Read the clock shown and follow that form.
1,52
